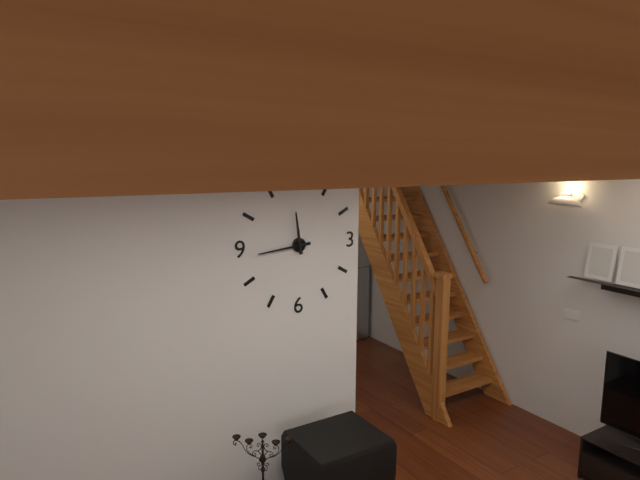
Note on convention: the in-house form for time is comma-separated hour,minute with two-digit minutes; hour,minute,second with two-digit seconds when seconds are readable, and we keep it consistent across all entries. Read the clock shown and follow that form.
11,44
